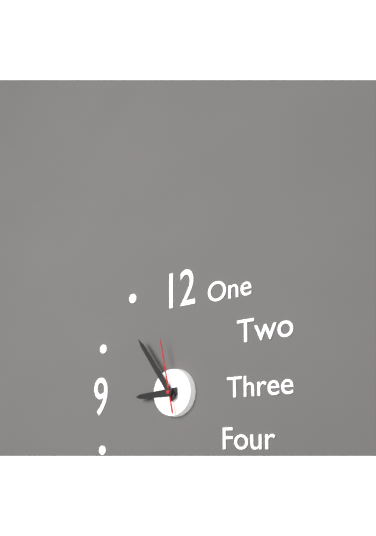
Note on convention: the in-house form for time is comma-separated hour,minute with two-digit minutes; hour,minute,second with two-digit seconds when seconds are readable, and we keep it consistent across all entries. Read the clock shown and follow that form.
8,54,58
